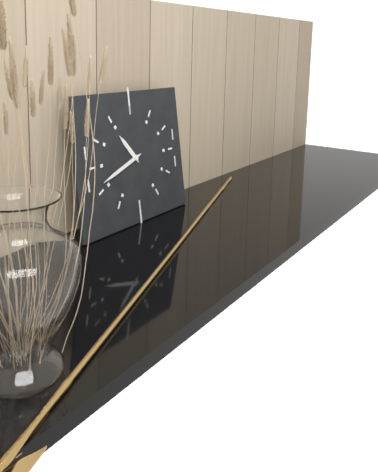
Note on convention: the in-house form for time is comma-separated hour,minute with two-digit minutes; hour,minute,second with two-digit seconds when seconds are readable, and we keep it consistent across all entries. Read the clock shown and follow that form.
10,42
